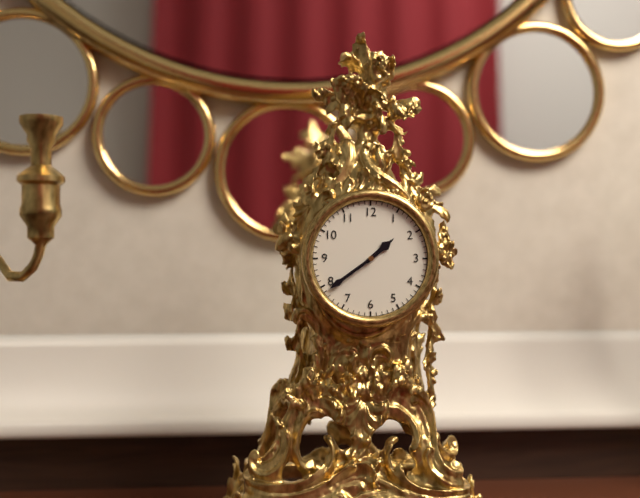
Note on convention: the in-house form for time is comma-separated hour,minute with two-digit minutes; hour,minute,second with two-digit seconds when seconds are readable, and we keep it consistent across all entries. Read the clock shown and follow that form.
1,39
